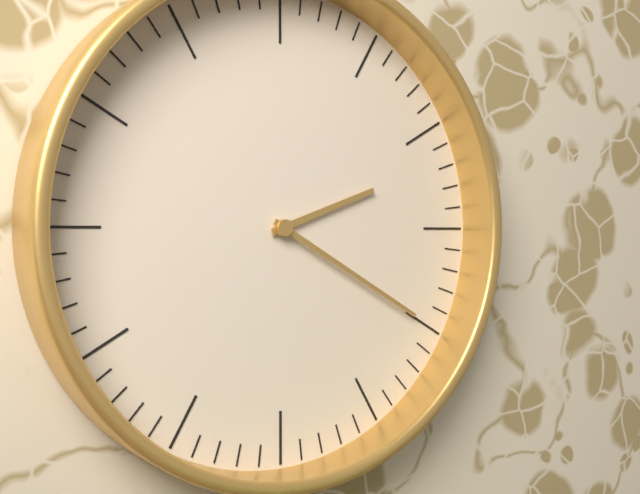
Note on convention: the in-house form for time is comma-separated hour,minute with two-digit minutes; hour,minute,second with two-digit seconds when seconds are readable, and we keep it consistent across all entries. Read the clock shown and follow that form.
2,20
